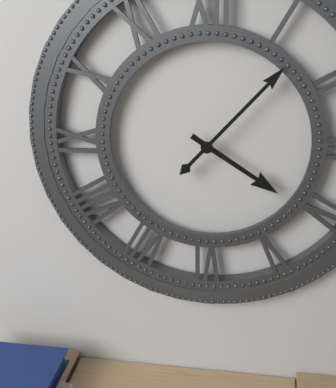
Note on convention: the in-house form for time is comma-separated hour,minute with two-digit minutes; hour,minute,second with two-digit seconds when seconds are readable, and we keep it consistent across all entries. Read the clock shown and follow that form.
4,07
